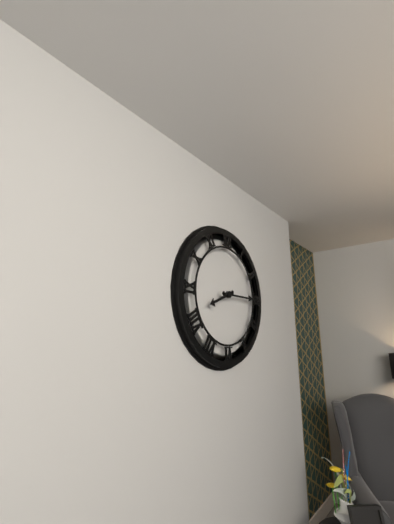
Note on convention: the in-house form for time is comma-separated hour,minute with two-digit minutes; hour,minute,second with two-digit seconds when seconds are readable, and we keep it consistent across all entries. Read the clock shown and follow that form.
8,15
